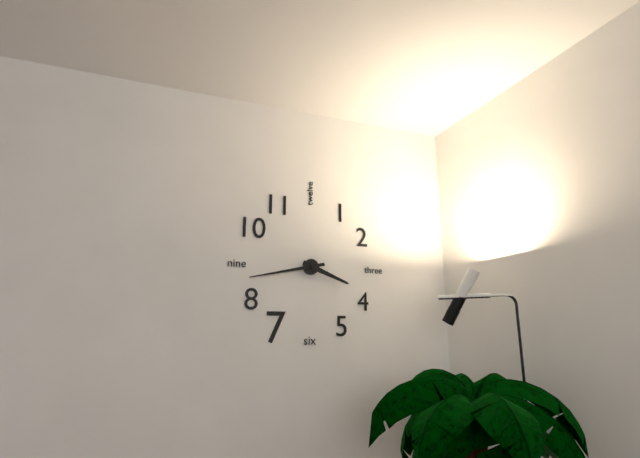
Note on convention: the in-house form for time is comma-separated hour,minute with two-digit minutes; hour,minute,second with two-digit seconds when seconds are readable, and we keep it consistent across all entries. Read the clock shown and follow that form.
3,43
